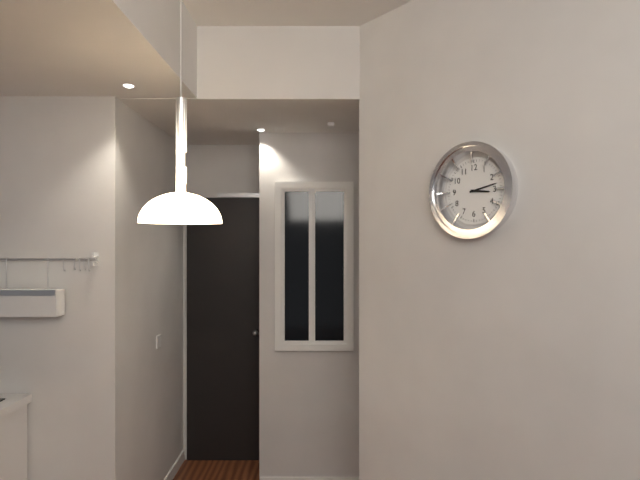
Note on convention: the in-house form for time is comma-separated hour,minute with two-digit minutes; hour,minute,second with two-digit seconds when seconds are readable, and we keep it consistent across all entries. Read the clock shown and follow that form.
3,13
